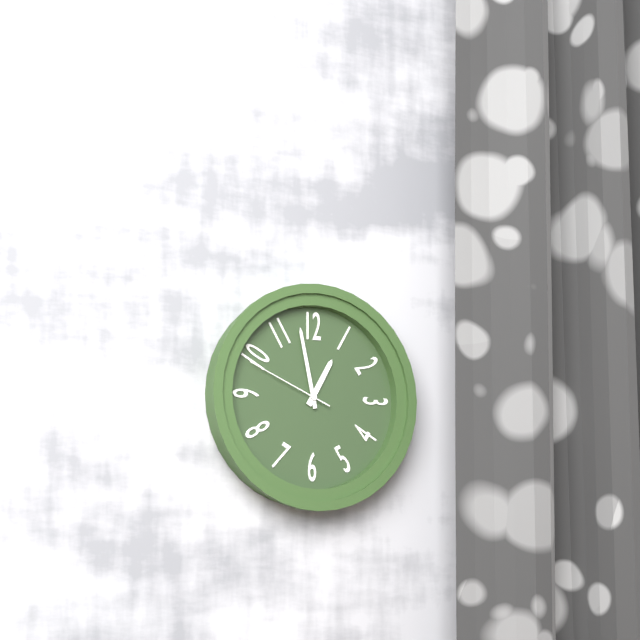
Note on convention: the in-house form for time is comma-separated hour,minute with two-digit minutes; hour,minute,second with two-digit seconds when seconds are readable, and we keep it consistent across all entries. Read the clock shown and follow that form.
12,58,49
